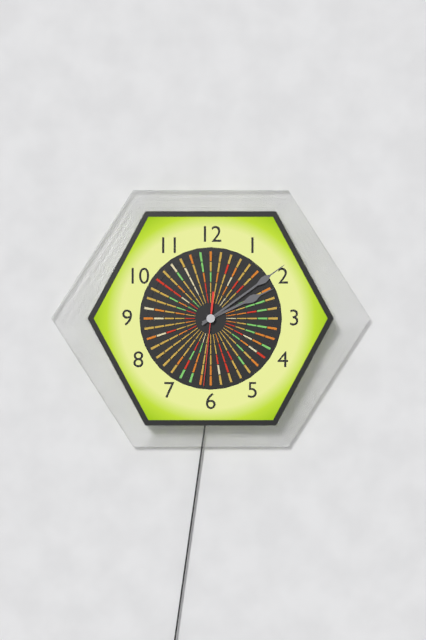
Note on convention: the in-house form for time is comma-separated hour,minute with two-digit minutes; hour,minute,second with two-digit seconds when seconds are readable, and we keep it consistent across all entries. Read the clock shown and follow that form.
2,09,31
